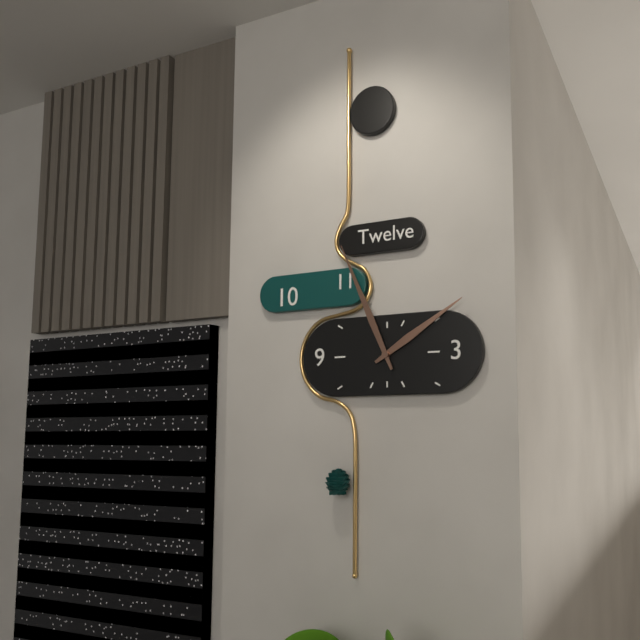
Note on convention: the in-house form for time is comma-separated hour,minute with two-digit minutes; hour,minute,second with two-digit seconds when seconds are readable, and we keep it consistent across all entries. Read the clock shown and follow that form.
1,56
